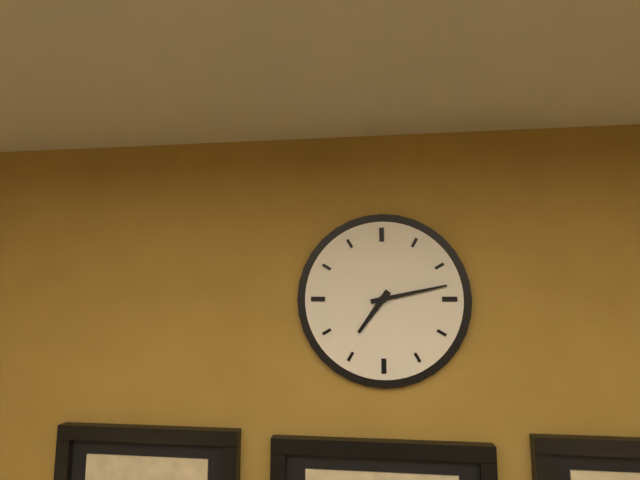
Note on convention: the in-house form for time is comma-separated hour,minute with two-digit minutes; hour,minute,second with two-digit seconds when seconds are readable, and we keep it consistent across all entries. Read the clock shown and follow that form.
7,13
